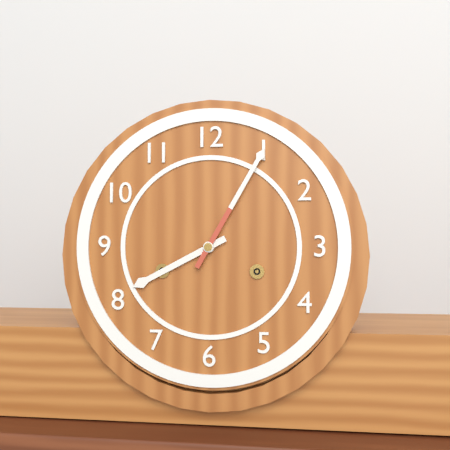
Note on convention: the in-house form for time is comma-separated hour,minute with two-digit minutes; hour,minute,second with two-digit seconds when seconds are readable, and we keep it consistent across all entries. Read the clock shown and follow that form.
8,05
